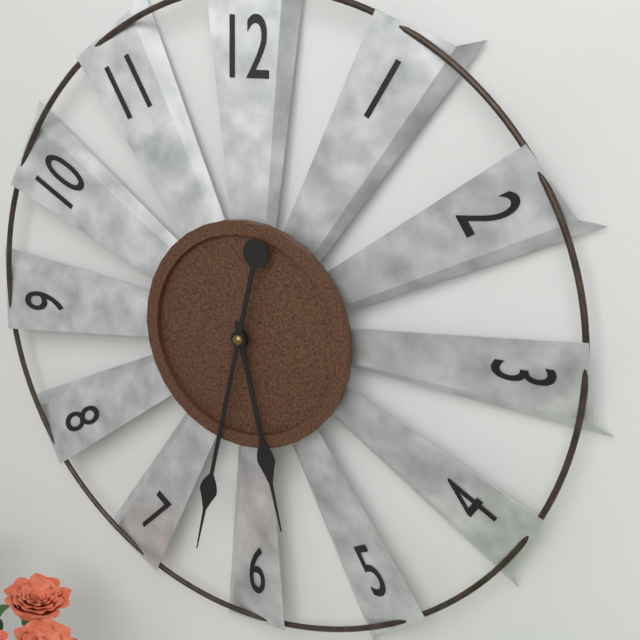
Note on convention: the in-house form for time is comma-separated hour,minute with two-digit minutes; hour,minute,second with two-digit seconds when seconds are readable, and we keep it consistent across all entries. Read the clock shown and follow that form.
5,32
